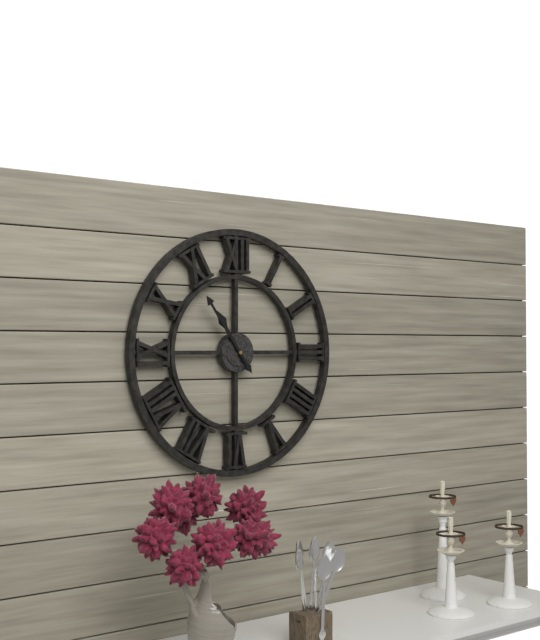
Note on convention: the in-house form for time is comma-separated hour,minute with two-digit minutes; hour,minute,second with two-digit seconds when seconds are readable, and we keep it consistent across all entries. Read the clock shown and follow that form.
10,54
